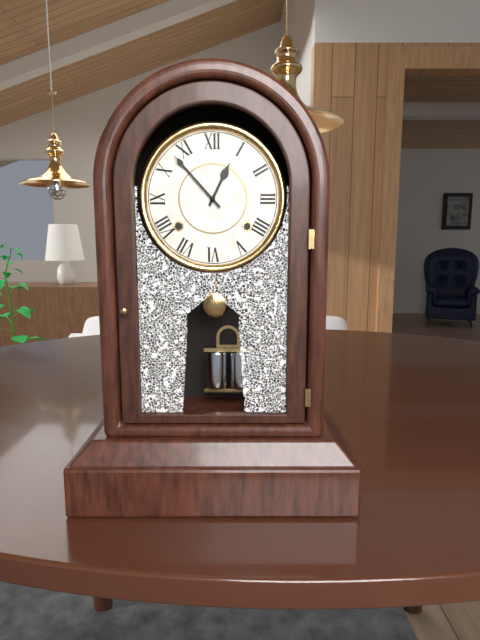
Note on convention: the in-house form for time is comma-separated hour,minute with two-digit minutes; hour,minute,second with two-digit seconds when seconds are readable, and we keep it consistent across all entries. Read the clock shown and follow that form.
12,53
